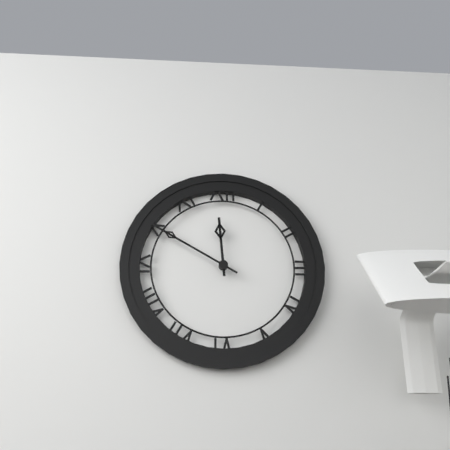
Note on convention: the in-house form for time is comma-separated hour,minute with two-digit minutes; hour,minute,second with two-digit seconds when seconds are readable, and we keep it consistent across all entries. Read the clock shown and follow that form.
11,50
